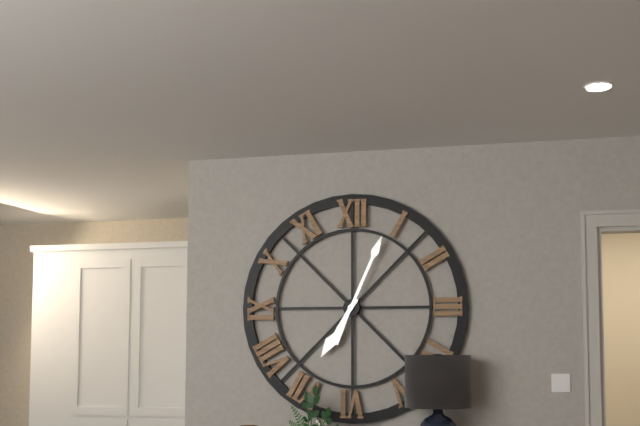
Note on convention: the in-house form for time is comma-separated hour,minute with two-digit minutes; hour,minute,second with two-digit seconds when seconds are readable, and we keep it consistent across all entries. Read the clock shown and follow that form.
7,04
